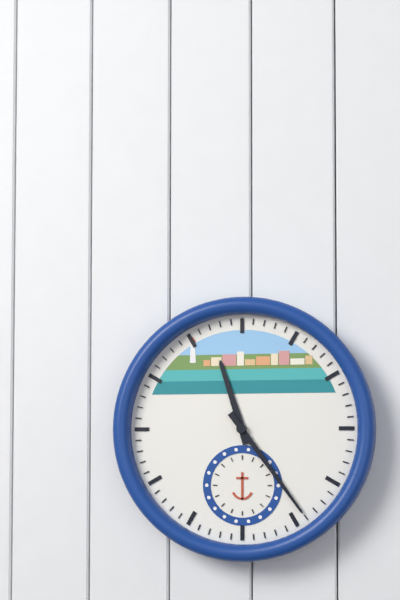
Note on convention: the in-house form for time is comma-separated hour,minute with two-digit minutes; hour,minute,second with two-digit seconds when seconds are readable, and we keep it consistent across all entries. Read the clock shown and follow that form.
11,24
